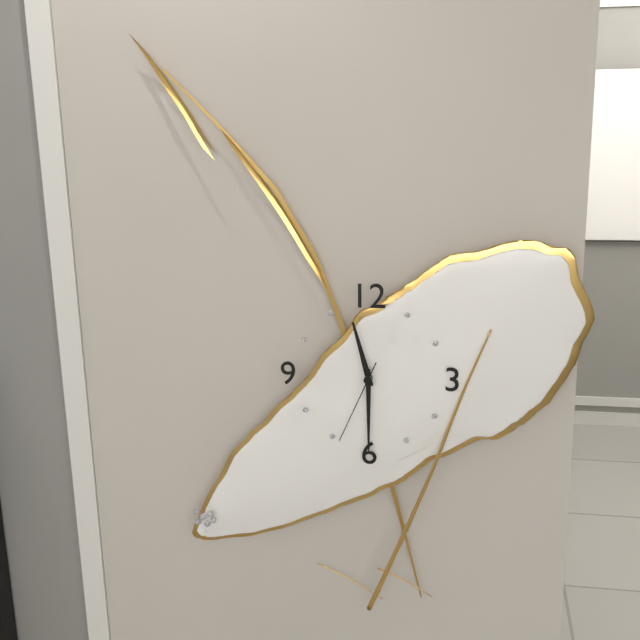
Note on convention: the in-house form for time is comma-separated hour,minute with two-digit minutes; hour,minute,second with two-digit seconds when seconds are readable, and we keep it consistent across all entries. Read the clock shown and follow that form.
11,30,34
